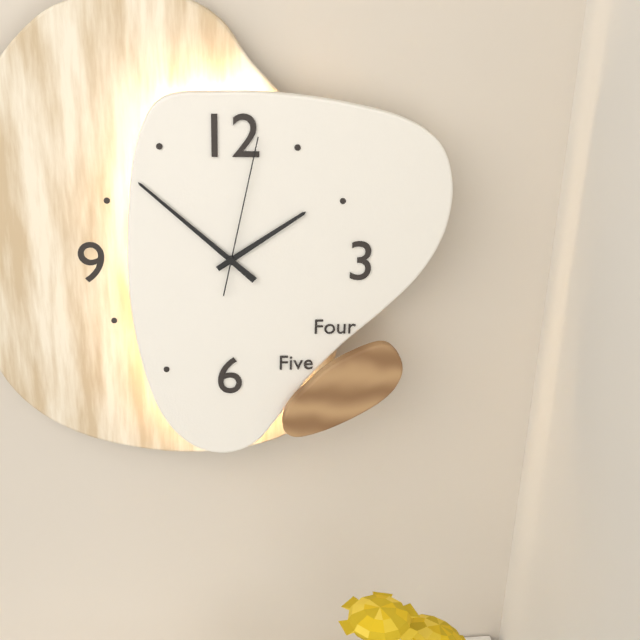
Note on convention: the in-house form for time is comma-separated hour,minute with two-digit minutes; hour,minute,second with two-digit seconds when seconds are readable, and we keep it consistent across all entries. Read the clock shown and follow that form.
1,52,02
